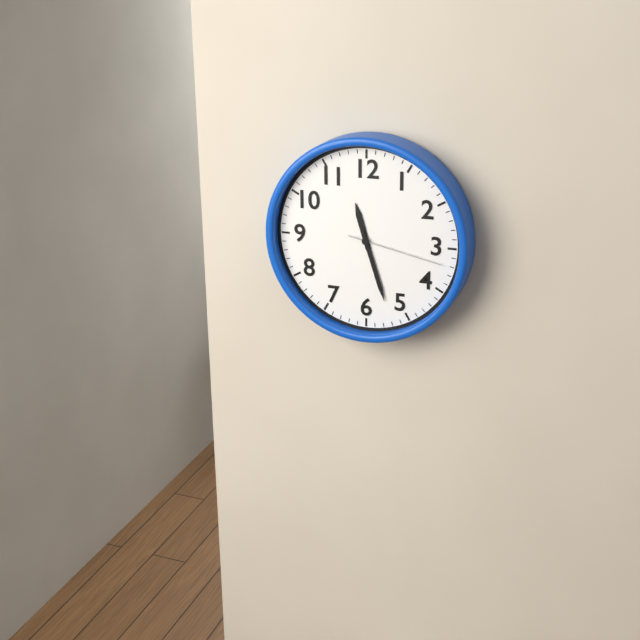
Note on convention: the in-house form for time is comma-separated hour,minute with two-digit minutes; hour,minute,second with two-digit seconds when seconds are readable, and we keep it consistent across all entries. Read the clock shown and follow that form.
11,27,17
